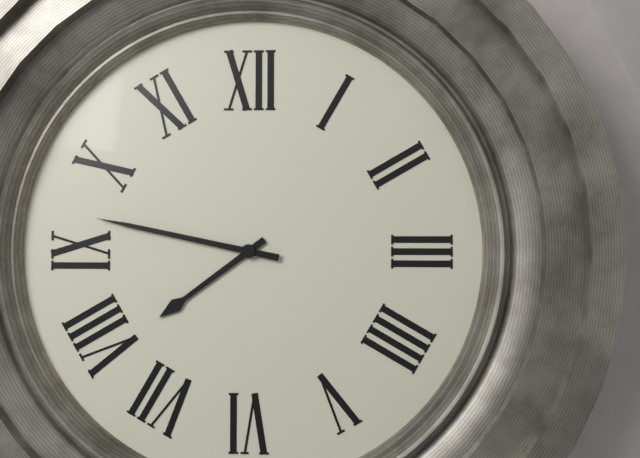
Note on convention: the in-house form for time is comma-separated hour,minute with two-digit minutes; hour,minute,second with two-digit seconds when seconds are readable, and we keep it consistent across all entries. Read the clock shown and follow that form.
7,47
